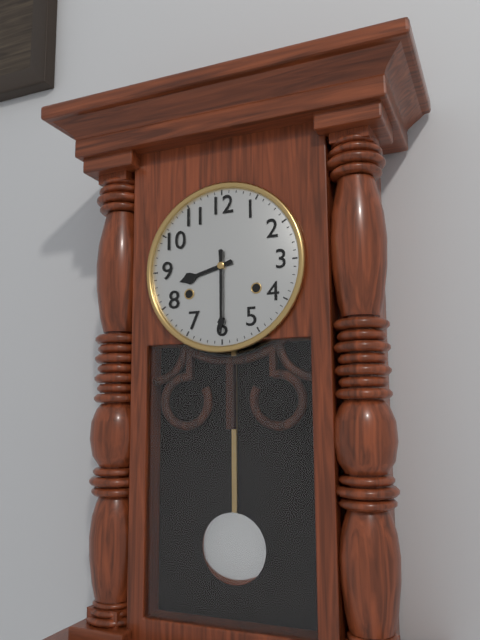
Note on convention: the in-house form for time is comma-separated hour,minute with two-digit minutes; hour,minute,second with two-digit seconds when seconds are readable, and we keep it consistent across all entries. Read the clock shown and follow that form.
8,30
